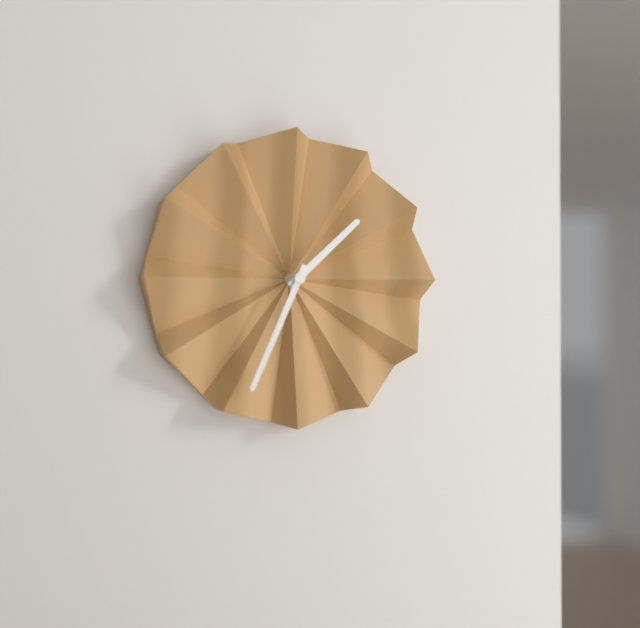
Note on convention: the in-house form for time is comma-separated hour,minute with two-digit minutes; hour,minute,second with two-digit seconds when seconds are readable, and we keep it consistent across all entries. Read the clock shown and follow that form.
1,34
